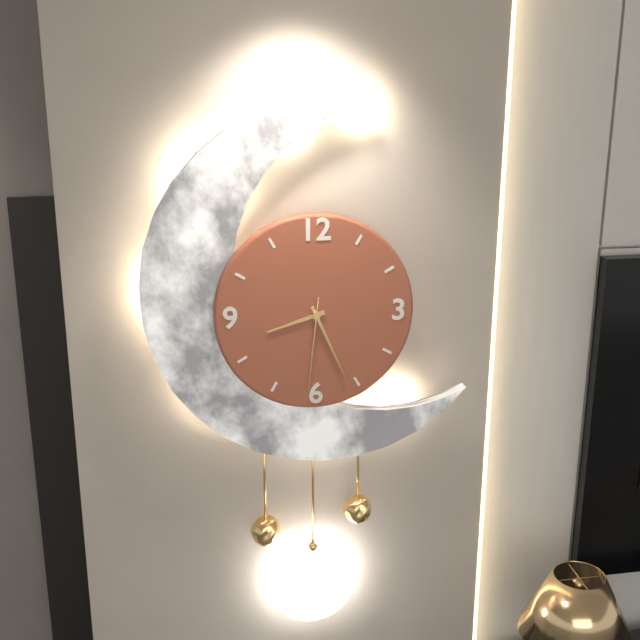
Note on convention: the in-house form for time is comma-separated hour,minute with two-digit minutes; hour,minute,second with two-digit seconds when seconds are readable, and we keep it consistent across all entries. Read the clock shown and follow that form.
8,26,31
